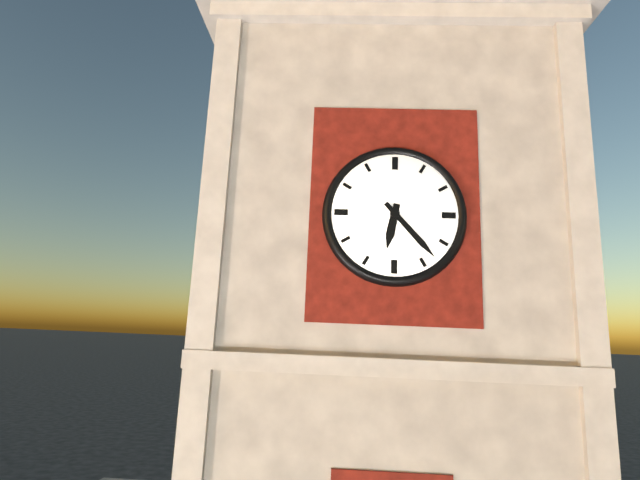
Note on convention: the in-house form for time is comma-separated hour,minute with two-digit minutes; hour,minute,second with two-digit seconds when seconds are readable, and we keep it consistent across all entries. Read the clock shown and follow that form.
6,23
